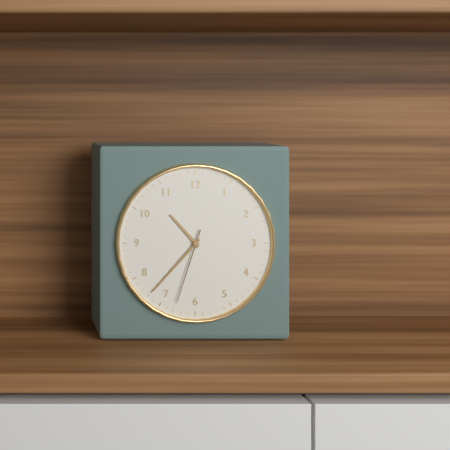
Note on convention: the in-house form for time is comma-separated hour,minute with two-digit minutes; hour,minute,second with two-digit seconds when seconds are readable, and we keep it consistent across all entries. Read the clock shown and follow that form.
10,37,33
